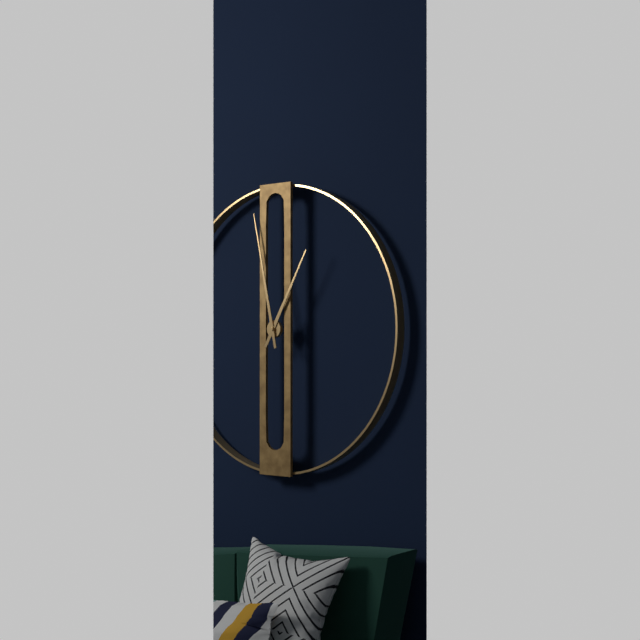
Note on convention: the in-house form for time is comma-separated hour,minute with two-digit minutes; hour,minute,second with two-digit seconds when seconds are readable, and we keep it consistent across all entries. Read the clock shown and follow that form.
12,58
